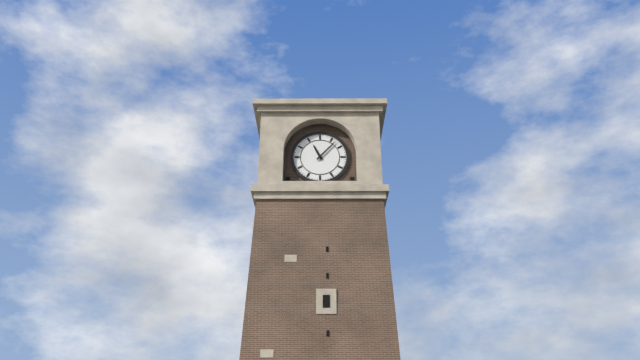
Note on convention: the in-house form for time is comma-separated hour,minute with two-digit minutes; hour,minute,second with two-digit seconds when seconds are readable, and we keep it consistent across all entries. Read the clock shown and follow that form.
11,07
